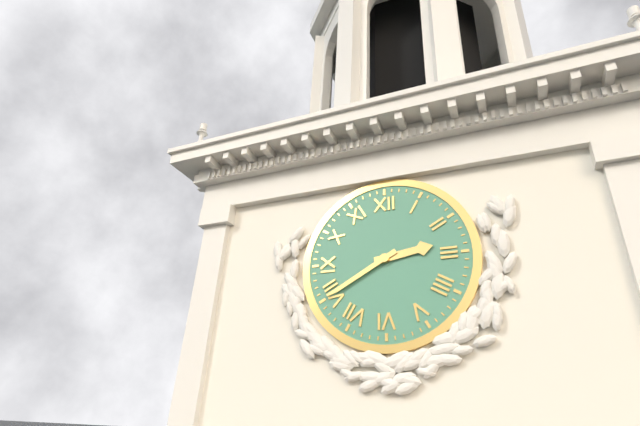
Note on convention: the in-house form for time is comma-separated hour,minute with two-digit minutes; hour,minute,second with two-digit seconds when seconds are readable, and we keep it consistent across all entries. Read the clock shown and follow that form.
2,40
